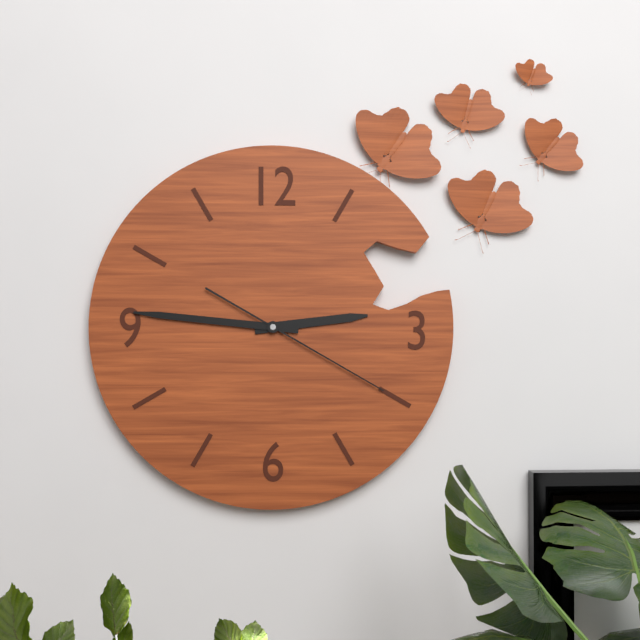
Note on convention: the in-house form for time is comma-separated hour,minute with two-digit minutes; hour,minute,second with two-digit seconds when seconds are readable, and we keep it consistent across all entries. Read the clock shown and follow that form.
2,46,20
